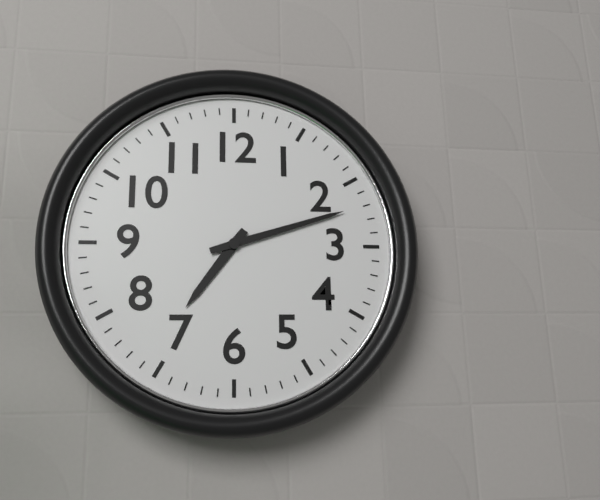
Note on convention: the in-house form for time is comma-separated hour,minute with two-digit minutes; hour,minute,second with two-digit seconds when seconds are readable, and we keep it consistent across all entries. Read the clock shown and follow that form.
7,12
